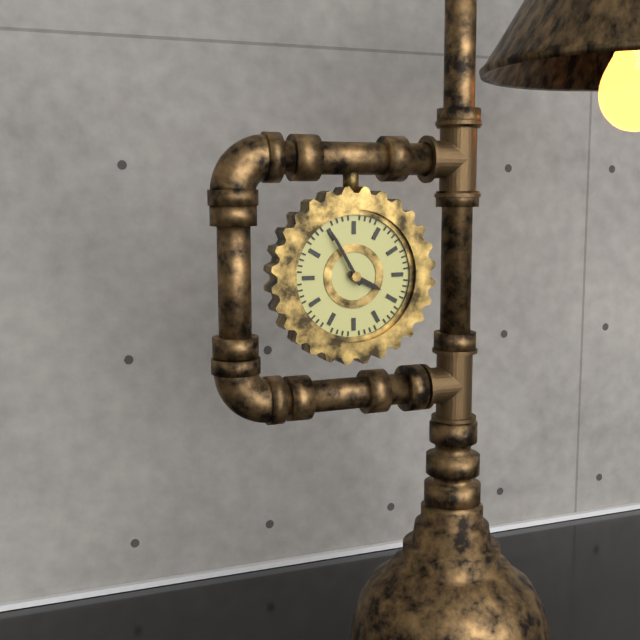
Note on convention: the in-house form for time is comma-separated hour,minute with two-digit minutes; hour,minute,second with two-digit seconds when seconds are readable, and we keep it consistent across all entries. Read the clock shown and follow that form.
3,55
